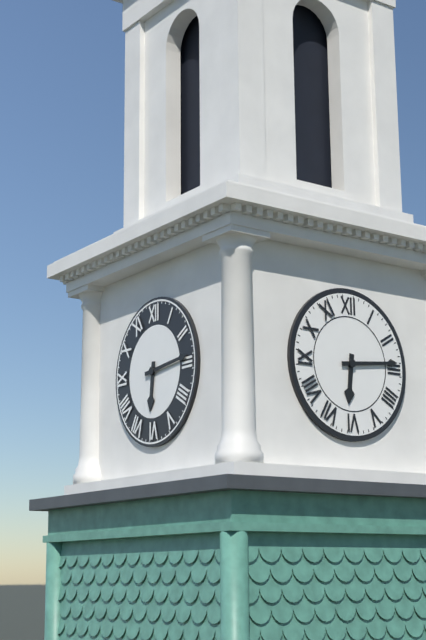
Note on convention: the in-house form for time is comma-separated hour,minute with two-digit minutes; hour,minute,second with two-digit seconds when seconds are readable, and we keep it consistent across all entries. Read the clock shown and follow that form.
6,14
